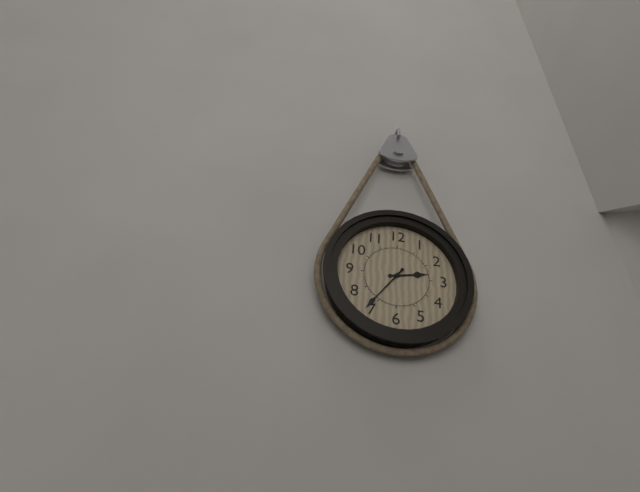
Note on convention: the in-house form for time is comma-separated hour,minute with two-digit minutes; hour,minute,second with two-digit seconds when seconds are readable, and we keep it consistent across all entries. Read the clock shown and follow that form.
2,36
